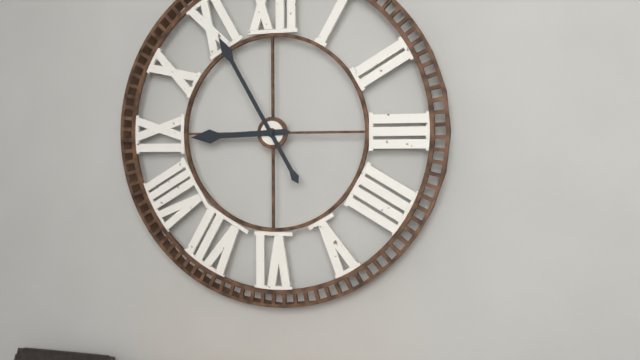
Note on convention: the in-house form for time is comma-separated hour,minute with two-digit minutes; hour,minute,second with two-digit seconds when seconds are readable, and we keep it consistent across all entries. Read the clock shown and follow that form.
8,55
